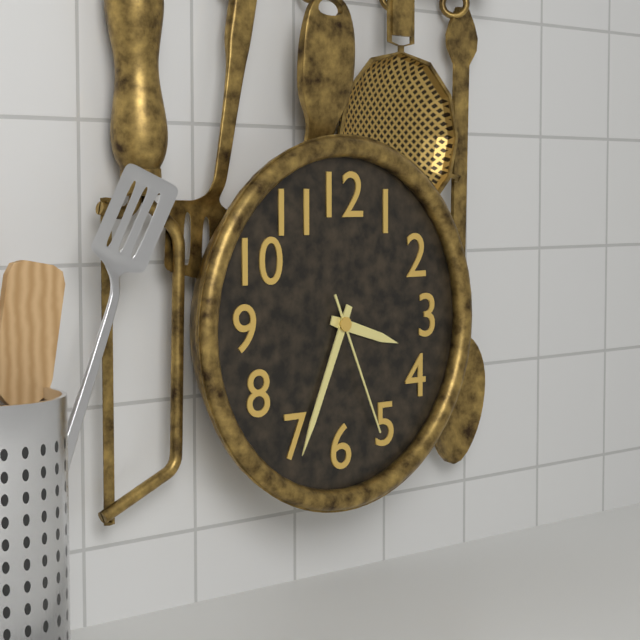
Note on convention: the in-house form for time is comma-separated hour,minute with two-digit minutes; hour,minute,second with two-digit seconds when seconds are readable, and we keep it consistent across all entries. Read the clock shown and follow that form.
3,34,26
